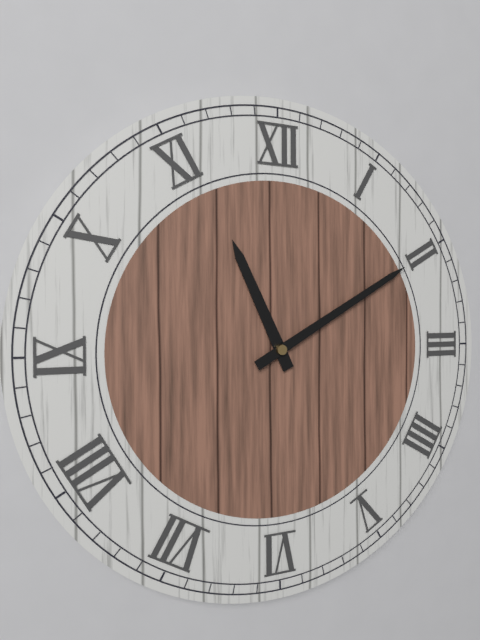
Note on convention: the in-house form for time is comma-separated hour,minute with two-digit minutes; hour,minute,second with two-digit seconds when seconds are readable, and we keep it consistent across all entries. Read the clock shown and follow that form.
11,10
